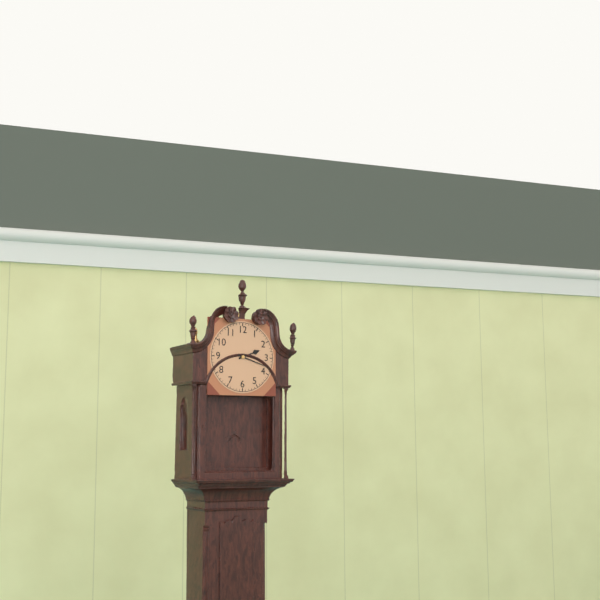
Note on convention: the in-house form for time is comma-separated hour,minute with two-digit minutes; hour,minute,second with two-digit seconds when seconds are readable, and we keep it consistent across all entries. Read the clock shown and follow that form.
2,18
